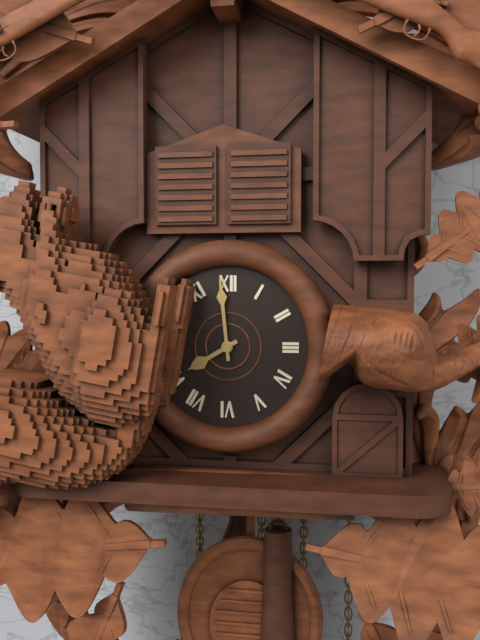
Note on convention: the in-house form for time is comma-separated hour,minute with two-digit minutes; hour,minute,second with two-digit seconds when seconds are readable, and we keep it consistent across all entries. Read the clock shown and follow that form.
7,59
